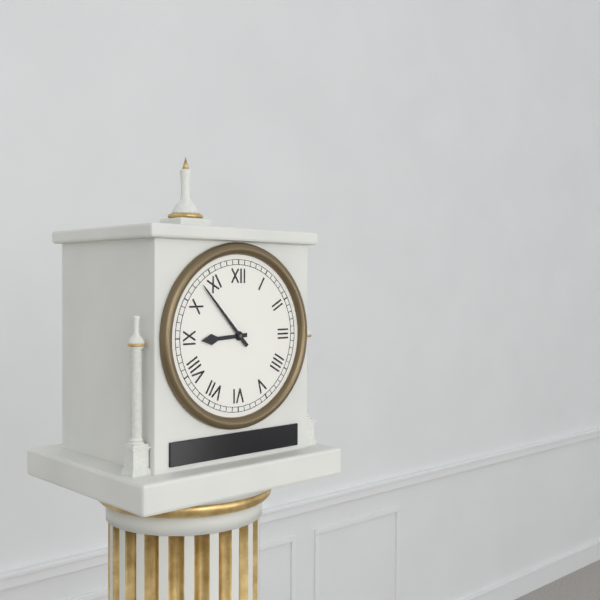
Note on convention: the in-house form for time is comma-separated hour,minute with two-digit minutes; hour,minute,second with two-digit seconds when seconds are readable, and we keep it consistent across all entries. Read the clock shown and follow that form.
8,53
